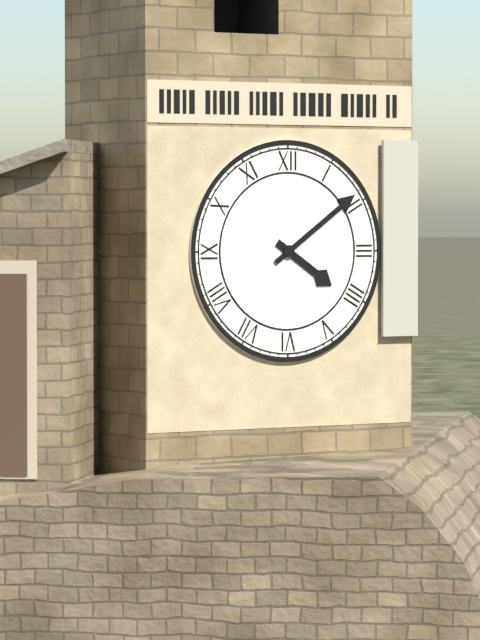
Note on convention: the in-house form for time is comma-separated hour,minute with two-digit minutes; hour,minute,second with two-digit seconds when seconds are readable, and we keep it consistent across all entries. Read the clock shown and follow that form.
4,09
